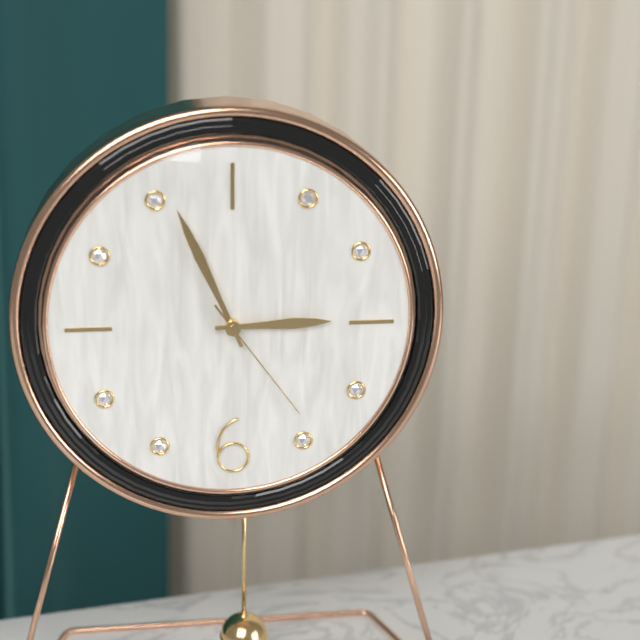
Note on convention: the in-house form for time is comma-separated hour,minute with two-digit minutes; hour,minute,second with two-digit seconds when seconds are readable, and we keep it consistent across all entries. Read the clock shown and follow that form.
2,56,24
